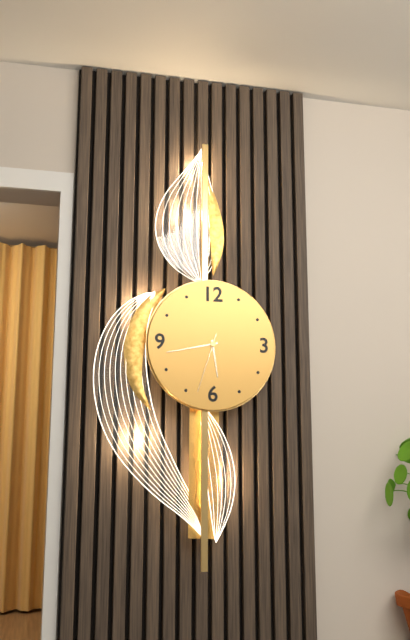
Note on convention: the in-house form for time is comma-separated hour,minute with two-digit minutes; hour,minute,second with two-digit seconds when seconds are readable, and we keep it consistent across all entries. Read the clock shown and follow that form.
5,43,33
